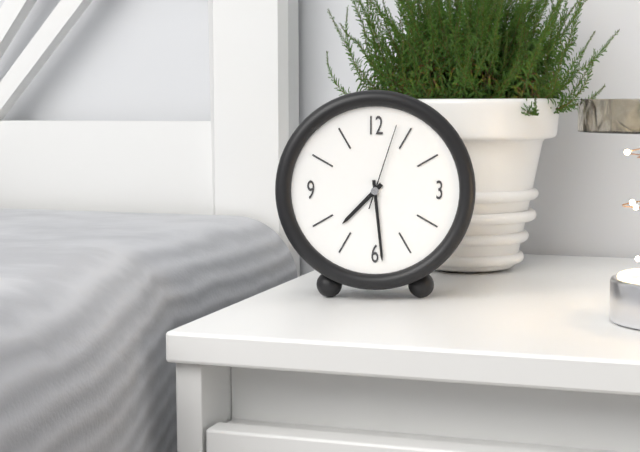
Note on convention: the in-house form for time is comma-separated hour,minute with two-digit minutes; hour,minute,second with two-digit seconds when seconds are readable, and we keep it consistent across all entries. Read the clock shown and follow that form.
7,29,03
